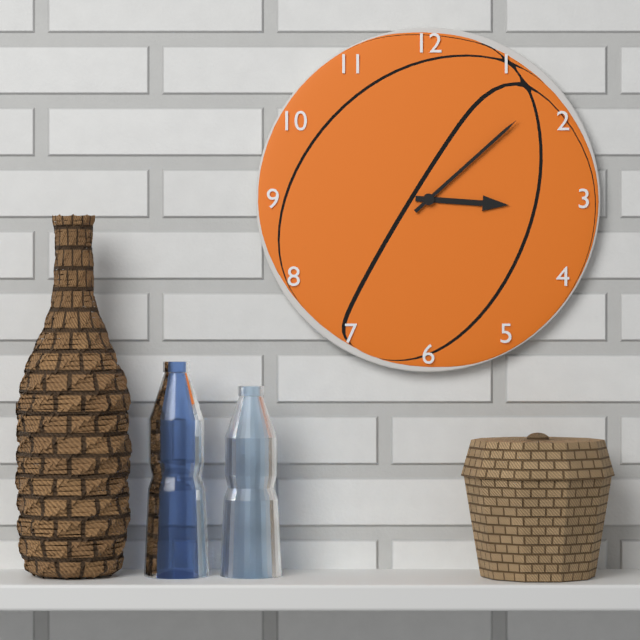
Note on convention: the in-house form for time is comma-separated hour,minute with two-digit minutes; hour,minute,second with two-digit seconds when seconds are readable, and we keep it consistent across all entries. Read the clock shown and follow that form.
3,08
